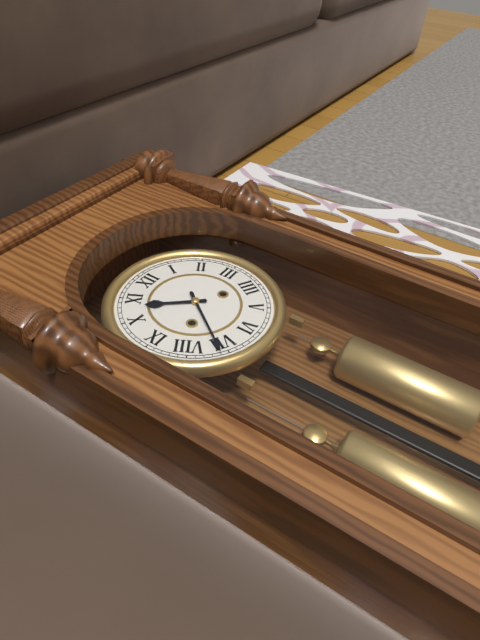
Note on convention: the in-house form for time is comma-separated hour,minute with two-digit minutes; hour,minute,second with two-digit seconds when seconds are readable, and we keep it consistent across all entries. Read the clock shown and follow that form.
10,36
